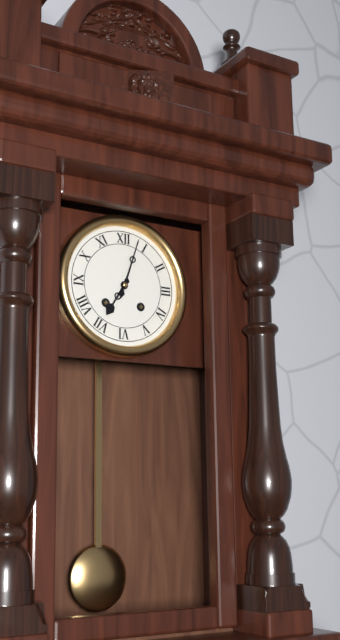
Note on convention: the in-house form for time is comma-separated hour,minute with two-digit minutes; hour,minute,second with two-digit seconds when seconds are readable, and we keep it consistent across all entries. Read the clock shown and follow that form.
7,03
